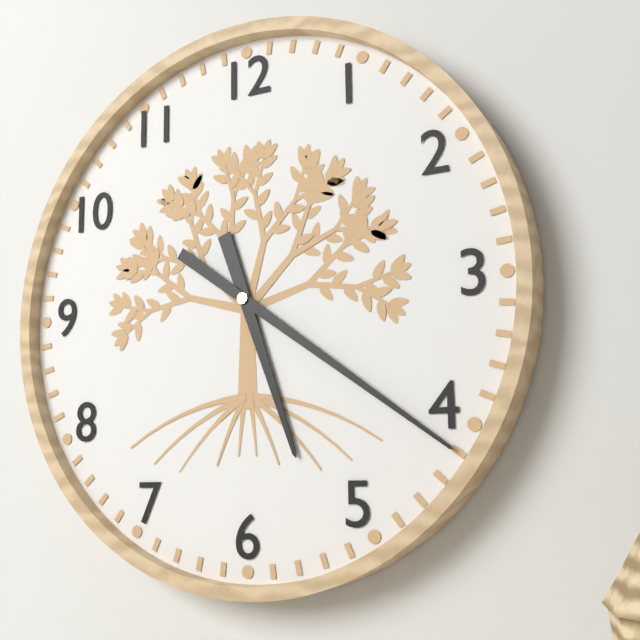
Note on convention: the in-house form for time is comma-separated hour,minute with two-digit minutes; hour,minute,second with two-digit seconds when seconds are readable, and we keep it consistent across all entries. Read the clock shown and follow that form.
5,21
